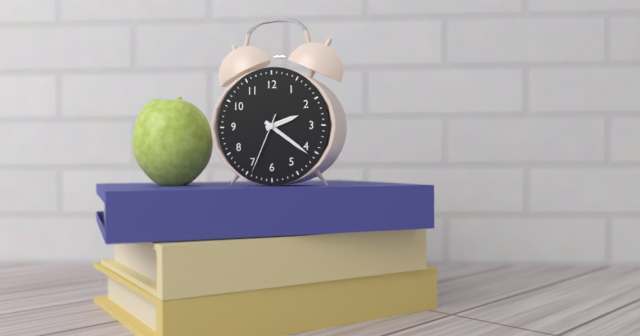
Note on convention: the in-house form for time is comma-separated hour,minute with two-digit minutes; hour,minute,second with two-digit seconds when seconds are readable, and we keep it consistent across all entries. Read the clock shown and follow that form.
2,21,34
